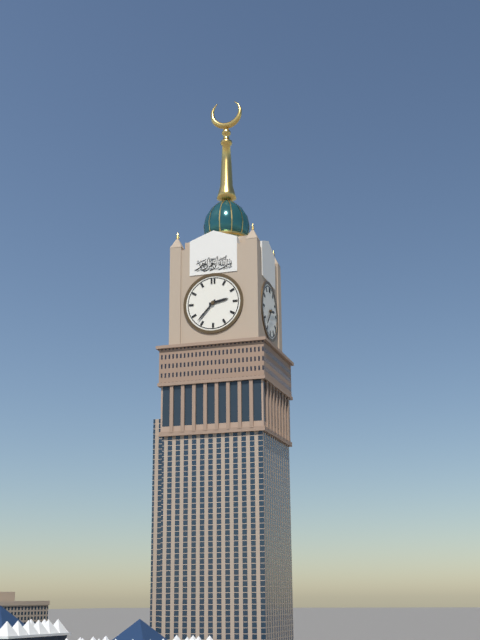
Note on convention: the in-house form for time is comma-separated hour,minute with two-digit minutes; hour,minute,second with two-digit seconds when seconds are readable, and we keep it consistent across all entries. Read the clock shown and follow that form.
2,37
